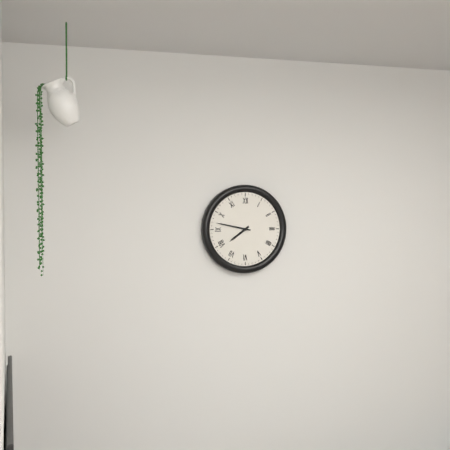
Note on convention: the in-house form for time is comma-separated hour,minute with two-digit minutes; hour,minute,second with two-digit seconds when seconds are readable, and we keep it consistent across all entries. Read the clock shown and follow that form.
7,47
